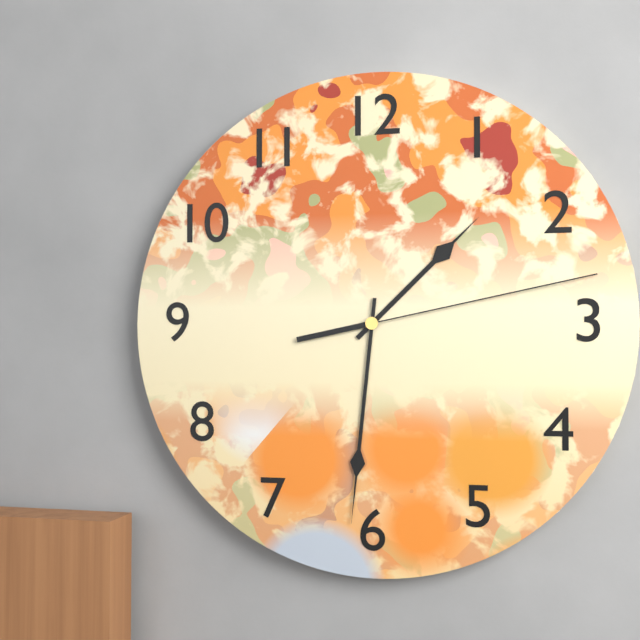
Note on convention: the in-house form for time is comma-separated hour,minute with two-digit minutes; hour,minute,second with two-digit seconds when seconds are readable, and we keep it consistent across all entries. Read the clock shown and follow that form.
1,31,13
